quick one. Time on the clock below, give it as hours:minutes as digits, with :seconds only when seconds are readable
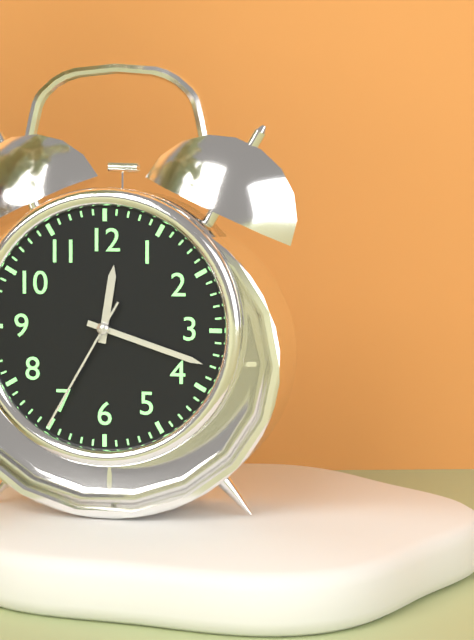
12:18:35
